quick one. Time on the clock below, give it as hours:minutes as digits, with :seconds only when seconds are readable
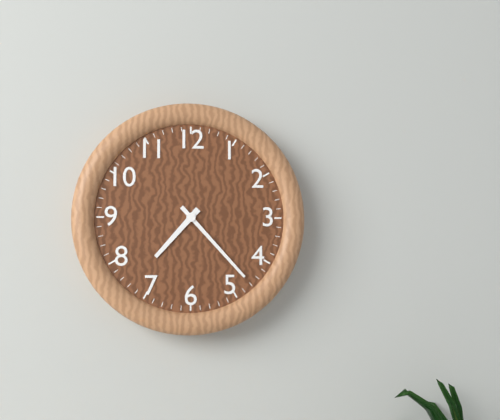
7:23
